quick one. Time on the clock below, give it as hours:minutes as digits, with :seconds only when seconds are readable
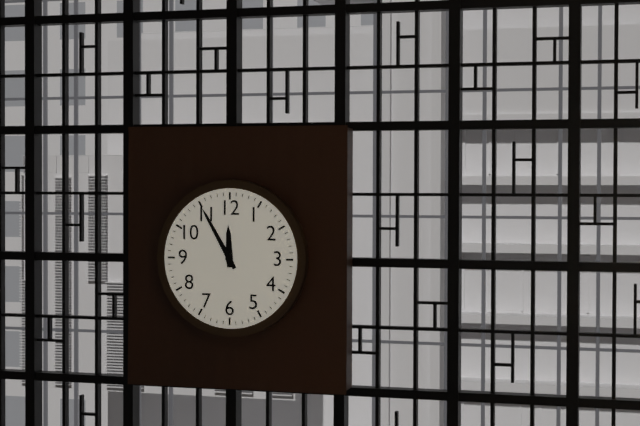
11:55
